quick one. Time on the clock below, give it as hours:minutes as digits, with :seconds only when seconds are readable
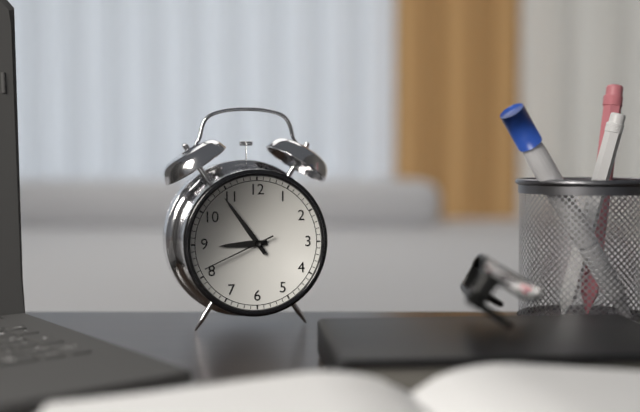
8:54:41
